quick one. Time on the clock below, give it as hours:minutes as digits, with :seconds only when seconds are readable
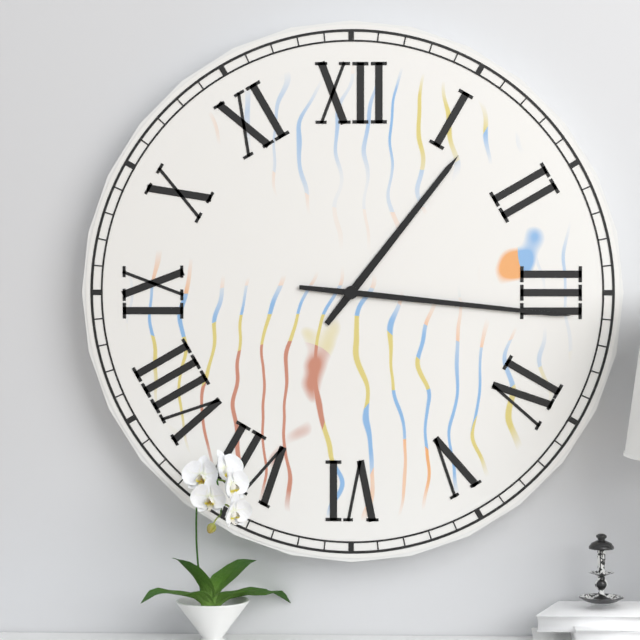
1:16
